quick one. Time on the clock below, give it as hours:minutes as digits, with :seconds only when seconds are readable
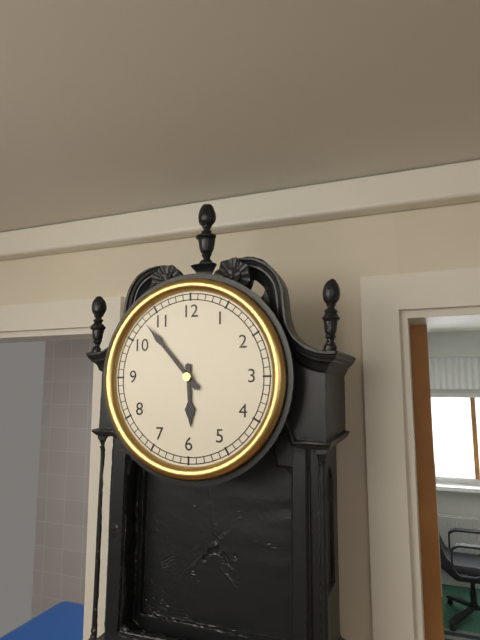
5:53
